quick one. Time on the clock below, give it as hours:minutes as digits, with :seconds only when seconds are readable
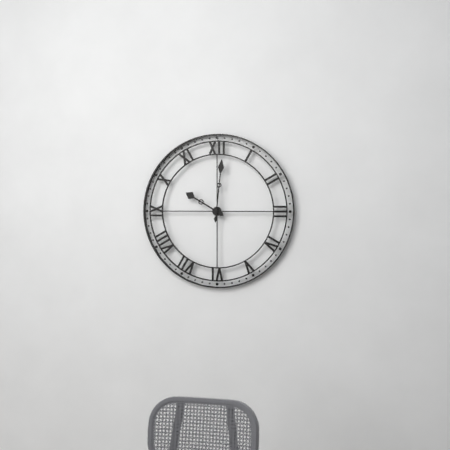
10:01
